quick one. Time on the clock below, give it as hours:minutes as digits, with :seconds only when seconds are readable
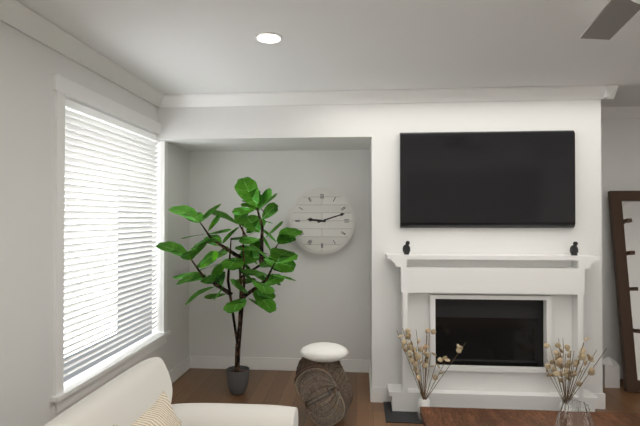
9:12
